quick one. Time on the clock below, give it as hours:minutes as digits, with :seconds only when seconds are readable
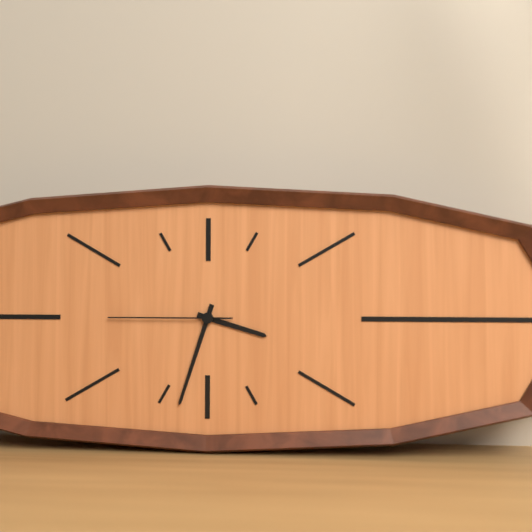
3:33:45
